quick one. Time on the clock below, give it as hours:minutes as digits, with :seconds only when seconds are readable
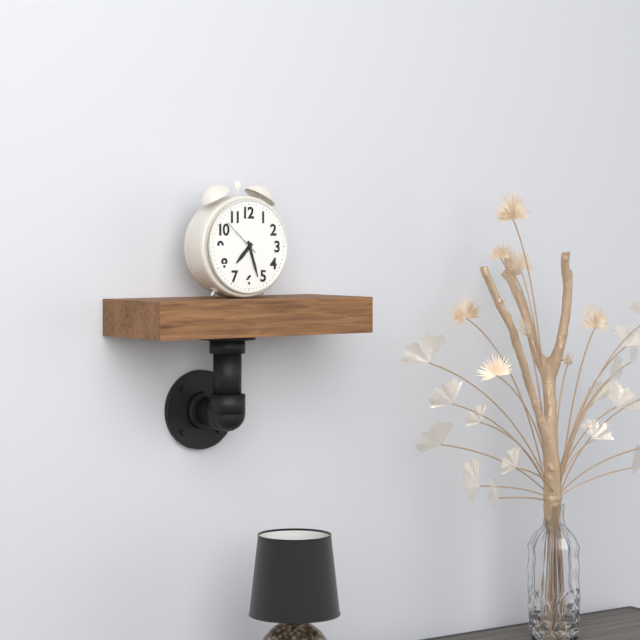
7:27
